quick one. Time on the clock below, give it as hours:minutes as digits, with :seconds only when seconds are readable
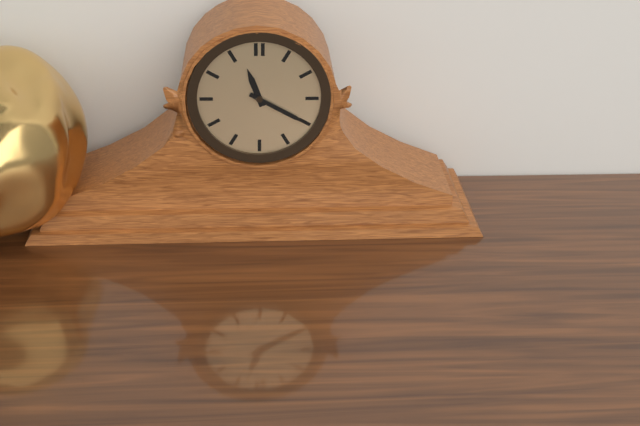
11:20
